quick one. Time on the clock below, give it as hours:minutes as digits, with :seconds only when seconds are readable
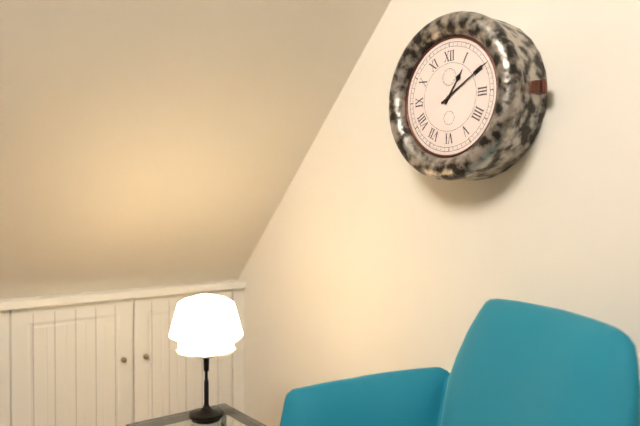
1:10
